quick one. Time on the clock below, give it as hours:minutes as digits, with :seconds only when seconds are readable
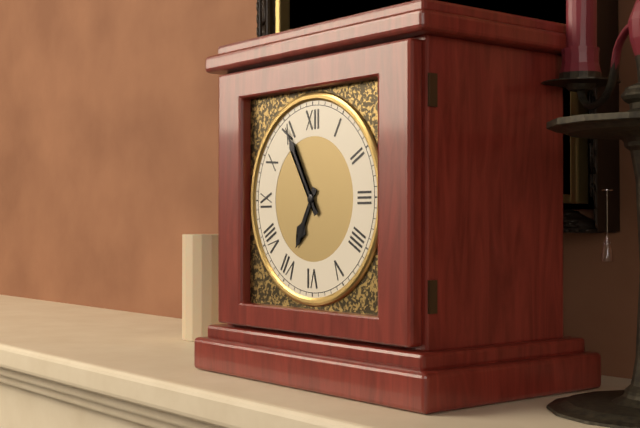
6:55
